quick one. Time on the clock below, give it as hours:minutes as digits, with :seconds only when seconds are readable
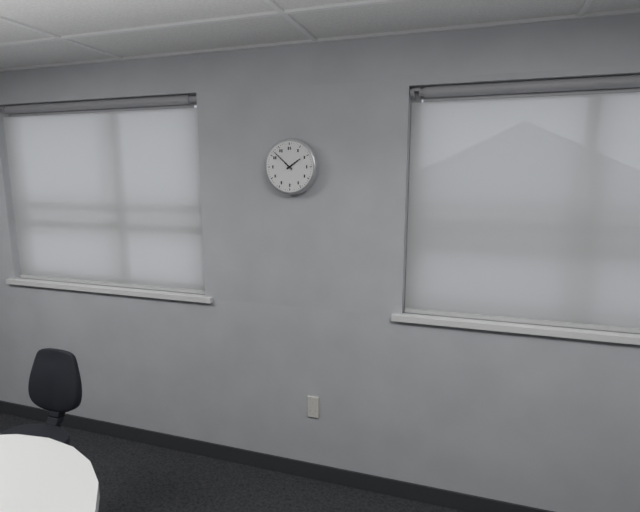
1:52
